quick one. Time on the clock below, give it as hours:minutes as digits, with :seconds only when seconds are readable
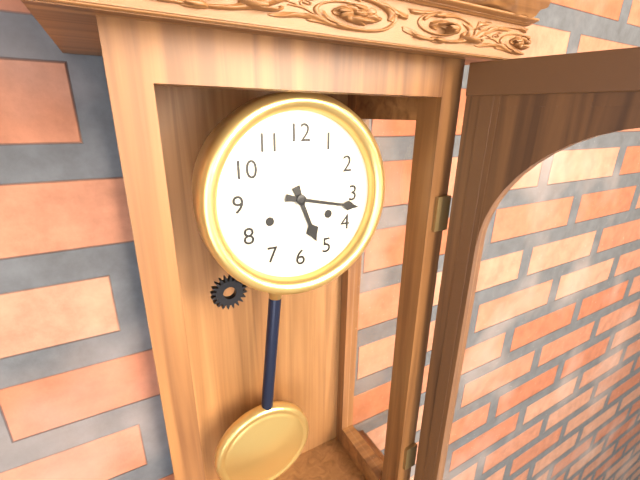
5:17
